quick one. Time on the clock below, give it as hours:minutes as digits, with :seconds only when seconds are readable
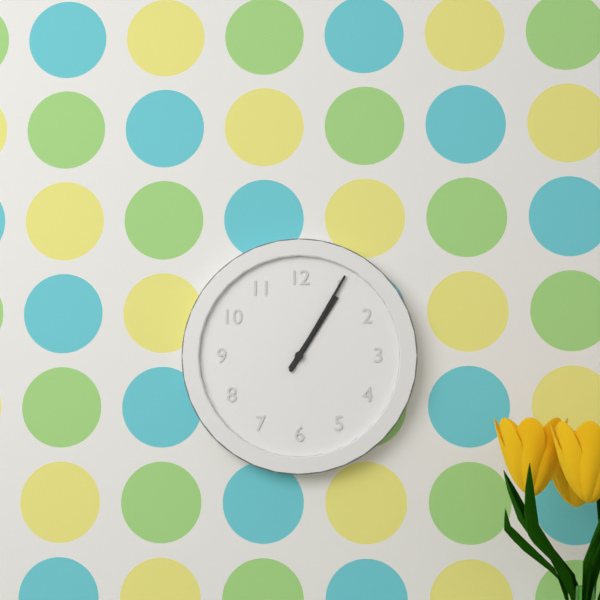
1:05
